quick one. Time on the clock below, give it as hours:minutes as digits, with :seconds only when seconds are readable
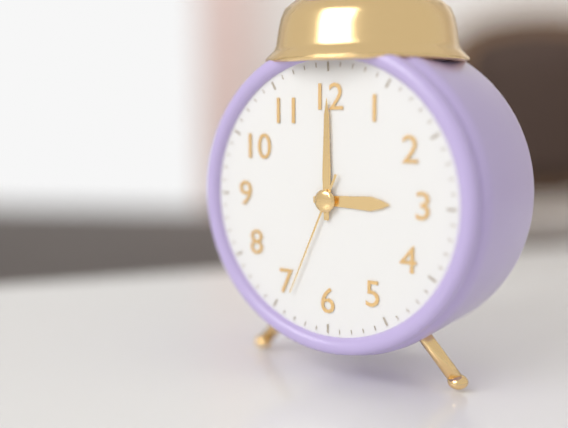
3:00:34
